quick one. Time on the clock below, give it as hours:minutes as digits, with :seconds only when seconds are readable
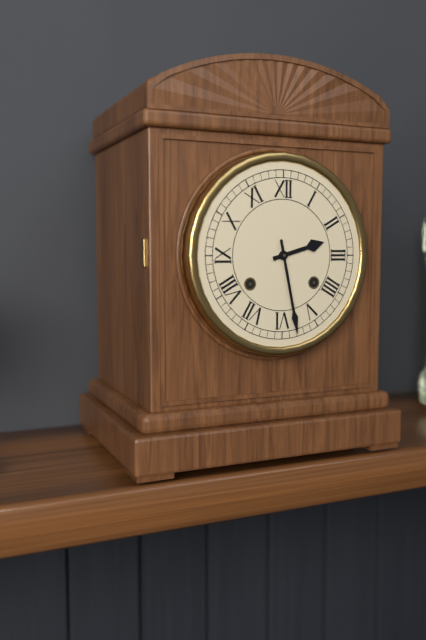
2:28
